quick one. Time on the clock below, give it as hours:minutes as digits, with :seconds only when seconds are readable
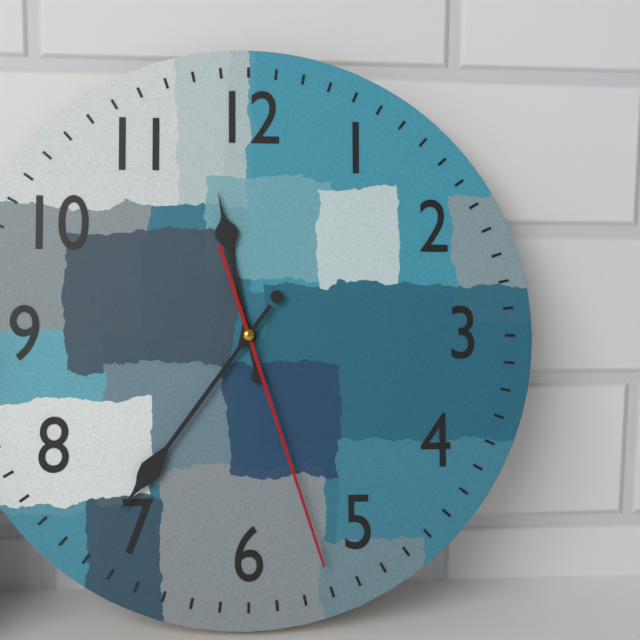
11:36:27
